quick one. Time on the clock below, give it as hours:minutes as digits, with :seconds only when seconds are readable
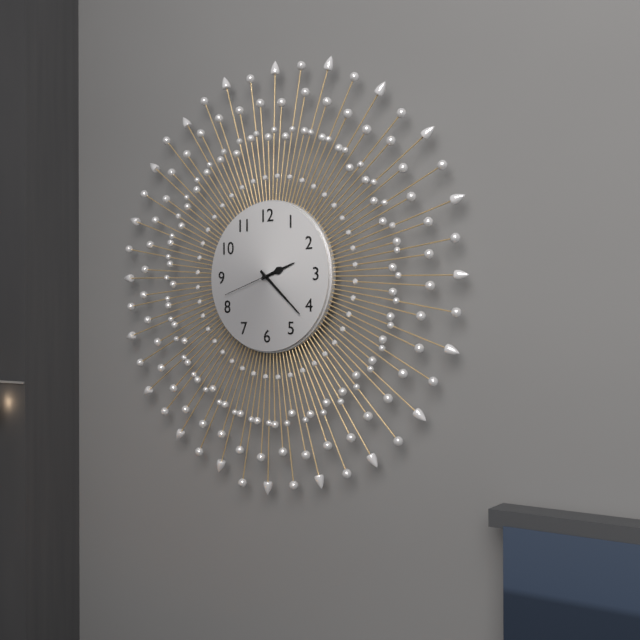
2:22:42
